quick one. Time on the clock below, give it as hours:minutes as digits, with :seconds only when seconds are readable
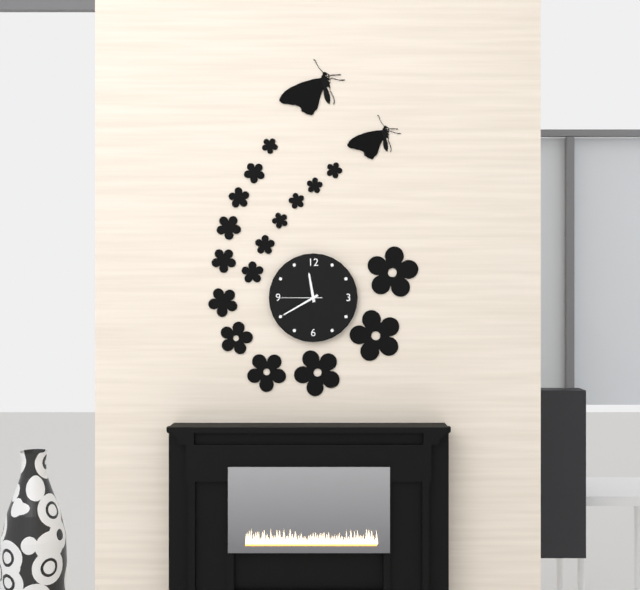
11:40
